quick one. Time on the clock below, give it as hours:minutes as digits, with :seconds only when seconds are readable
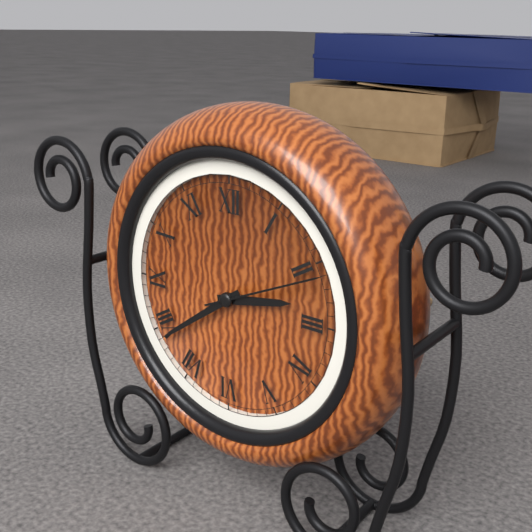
2:39:11
